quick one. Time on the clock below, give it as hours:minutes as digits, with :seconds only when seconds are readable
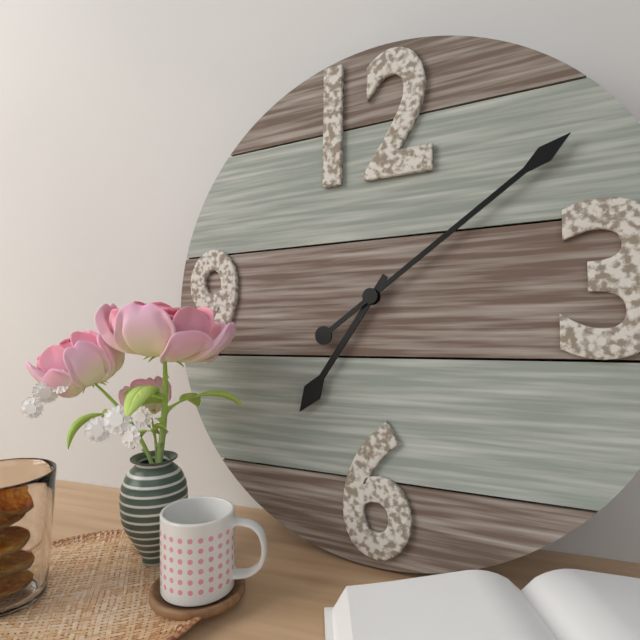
7:09
